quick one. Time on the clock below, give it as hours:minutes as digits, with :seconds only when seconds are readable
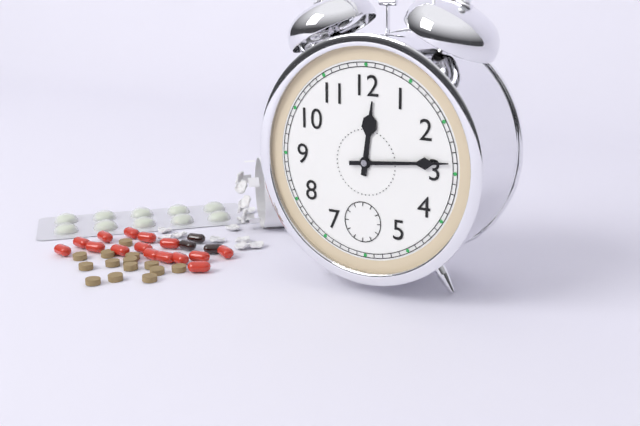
12:14
